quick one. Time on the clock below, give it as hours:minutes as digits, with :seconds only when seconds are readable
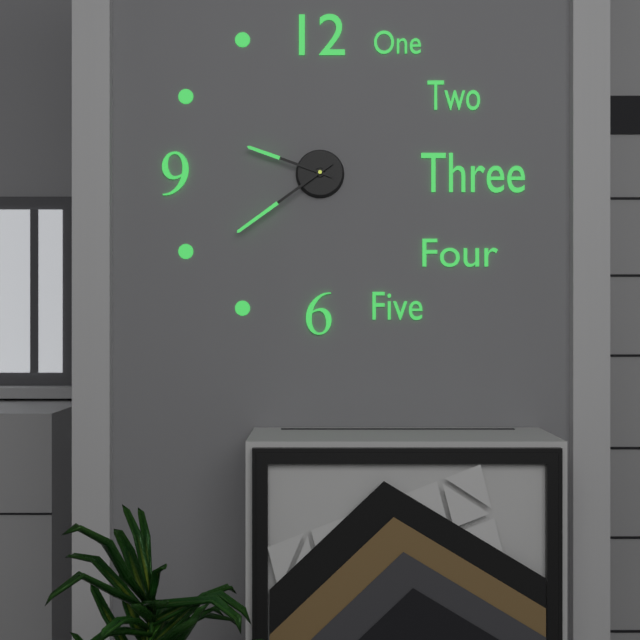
9:39
